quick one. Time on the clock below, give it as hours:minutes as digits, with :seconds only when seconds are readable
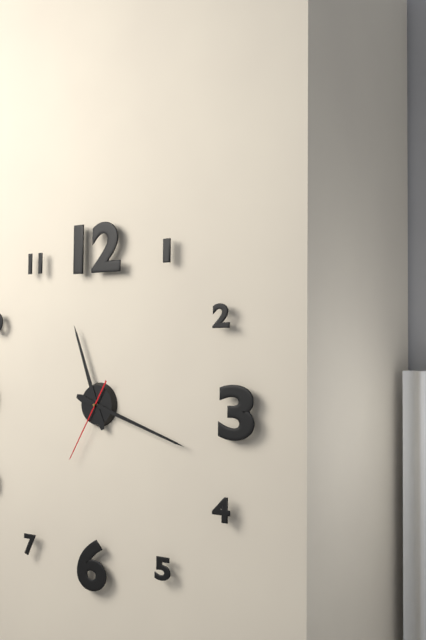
11:18:35
